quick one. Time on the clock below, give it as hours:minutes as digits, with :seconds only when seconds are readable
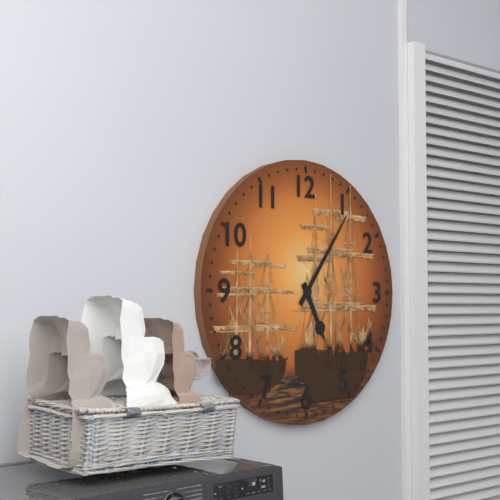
5:06
